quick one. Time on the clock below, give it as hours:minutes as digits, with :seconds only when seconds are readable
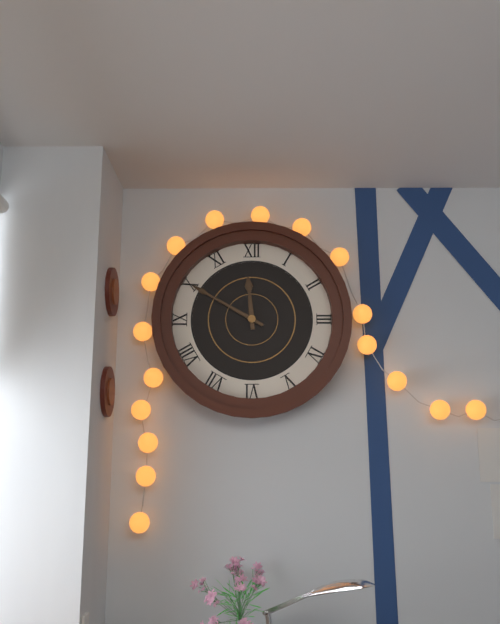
11:50
